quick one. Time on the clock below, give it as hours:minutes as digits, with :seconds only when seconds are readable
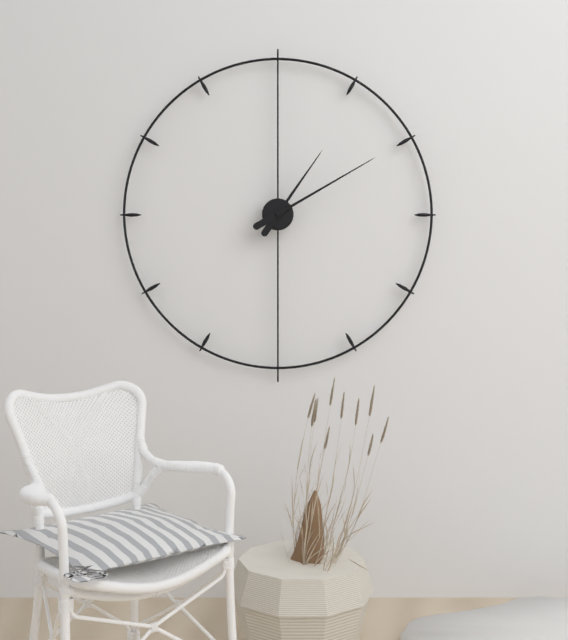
1:10
